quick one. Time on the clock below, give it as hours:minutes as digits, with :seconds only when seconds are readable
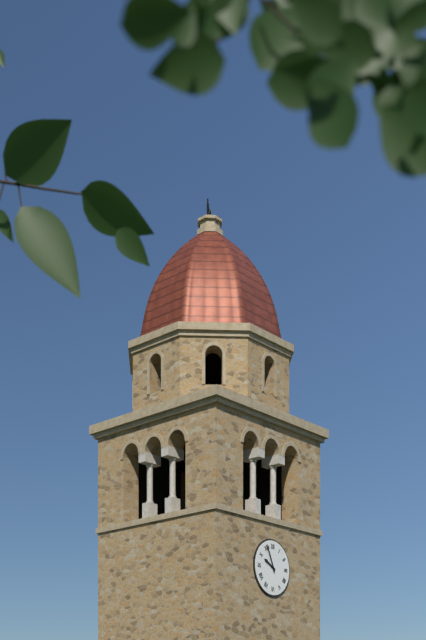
9:56
